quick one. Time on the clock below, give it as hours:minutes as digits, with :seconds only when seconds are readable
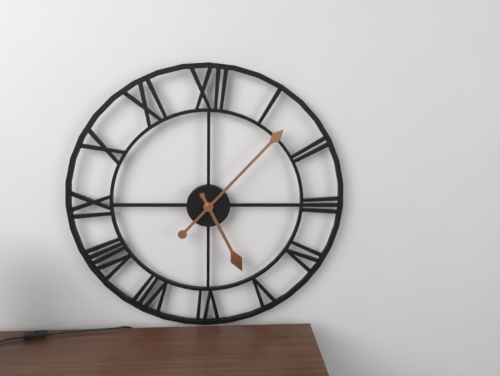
5:07
